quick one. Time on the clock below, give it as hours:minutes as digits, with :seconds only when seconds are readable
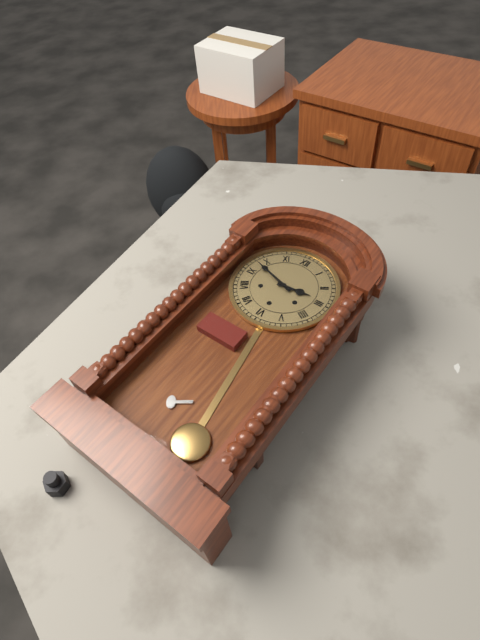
2:48
